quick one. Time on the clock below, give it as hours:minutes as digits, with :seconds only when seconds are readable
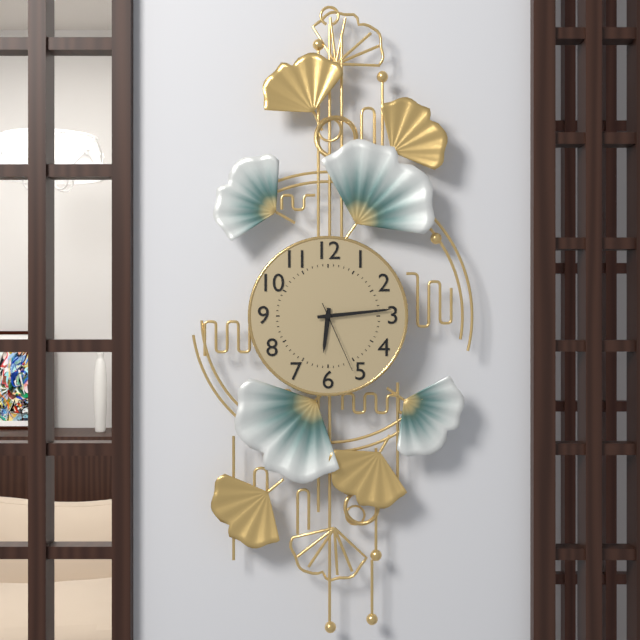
6:14:26
